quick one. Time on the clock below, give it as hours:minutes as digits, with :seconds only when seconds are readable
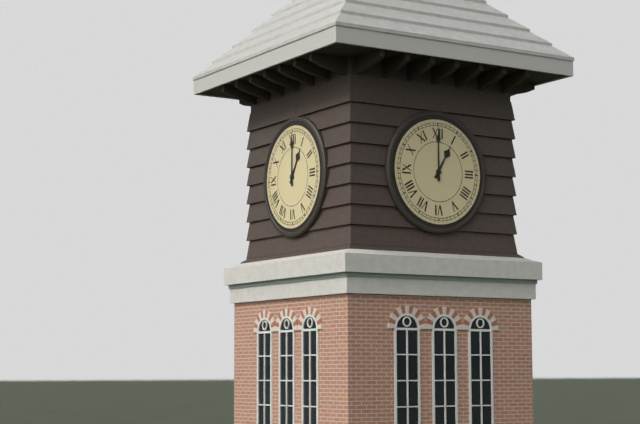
1:00
